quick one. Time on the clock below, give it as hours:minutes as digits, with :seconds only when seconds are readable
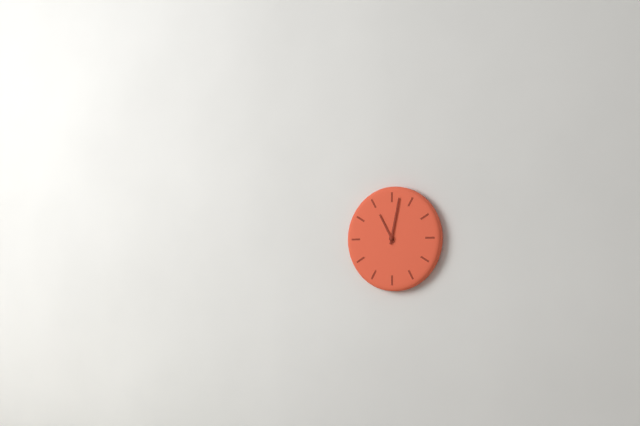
11:02
